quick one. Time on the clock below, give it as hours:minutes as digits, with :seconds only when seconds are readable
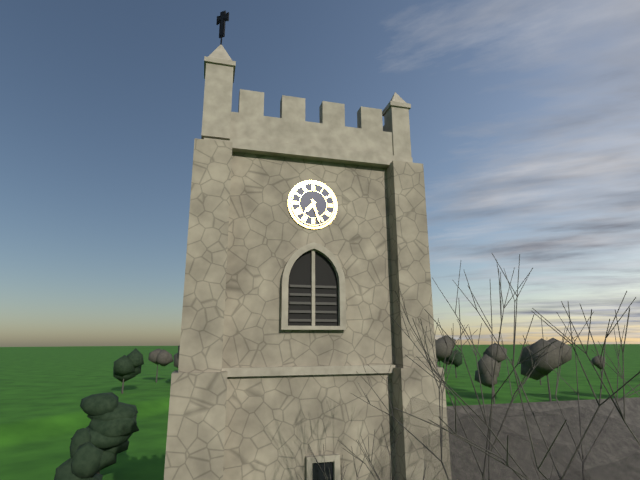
7:27
